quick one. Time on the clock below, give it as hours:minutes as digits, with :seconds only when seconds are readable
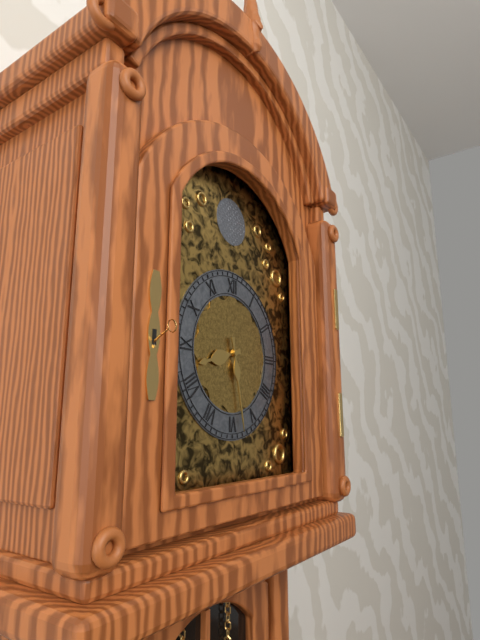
8:28
